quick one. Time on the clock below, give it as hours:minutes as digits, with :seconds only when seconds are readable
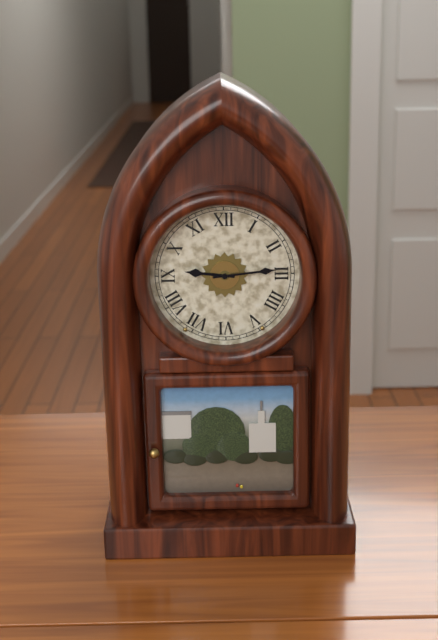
9:14
